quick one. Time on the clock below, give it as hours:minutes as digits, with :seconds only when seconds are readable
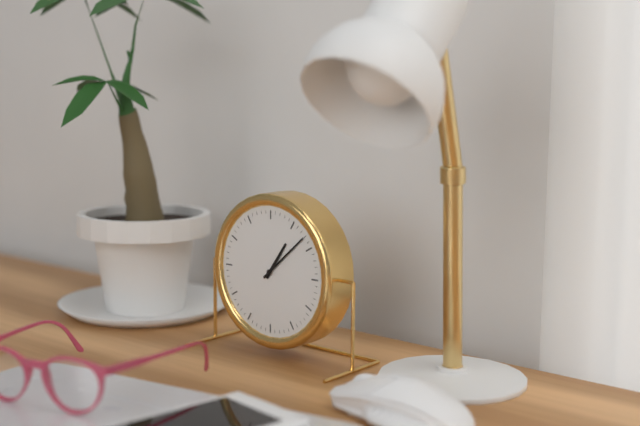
1:08
